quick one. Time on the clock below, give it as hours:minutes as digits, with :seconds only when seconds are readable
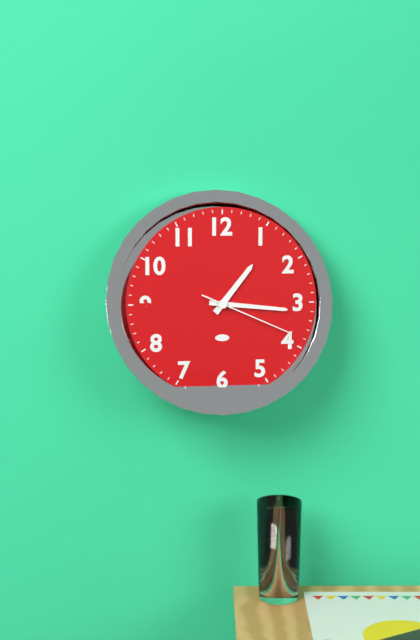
1:16:19
